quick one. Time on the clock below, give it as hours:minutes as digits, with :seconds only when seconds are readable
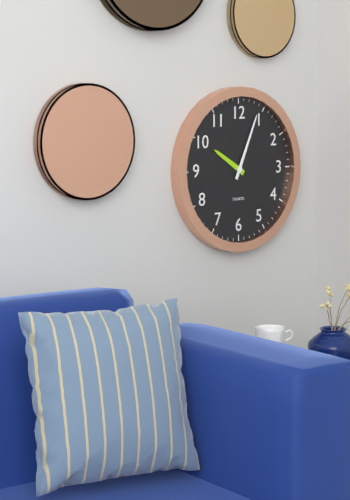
10:04
